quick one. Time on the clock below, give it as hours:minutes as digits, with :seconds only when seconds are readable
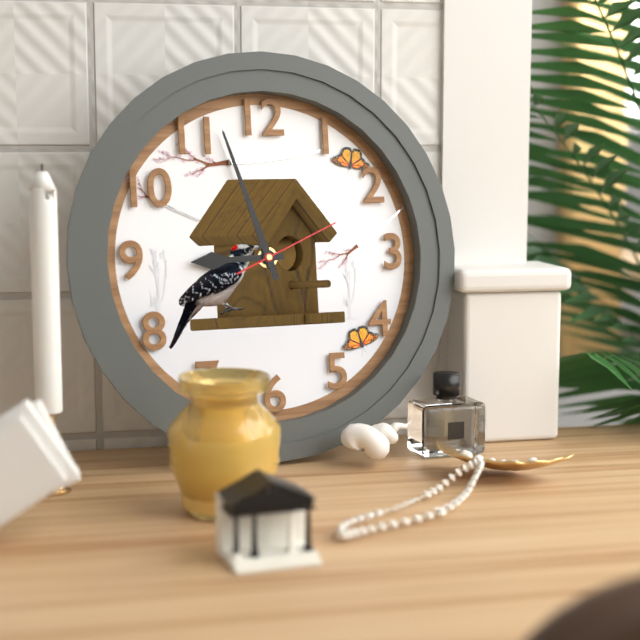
8:57:11
